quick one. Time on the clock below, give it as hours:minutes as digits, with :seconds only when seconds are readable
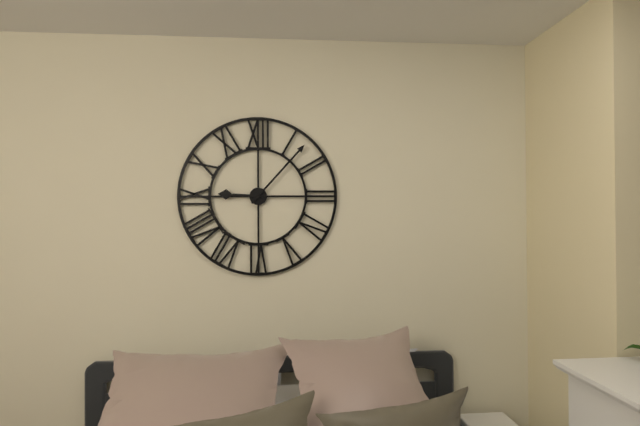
9:07
